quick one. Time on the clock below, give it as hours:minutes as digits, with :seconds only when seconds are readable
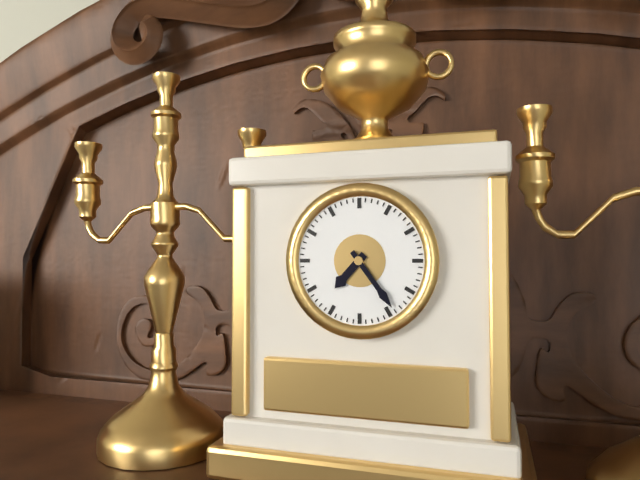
7:24
